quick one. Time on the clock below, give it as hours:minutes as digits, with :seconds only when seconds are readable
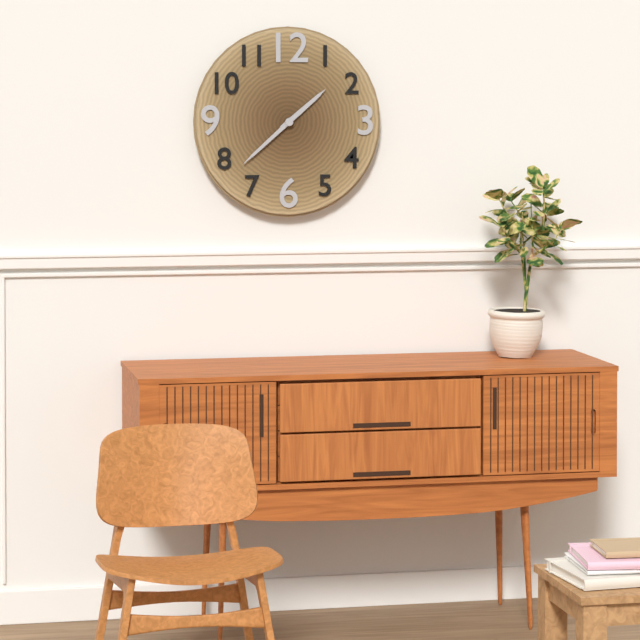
1:38
